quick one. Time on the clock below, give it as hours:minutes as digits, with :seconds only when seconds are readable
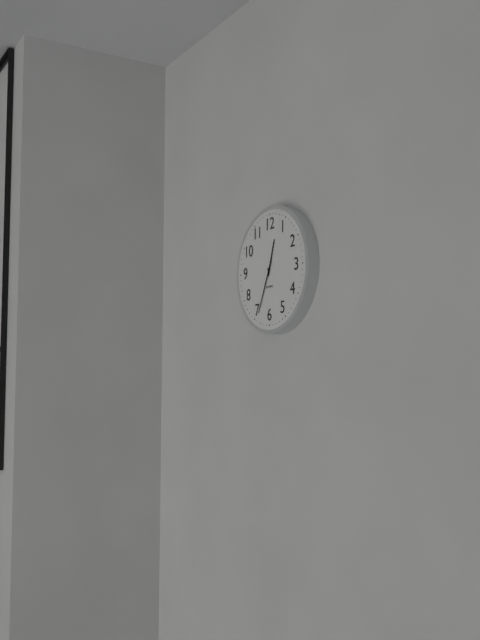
12:34
